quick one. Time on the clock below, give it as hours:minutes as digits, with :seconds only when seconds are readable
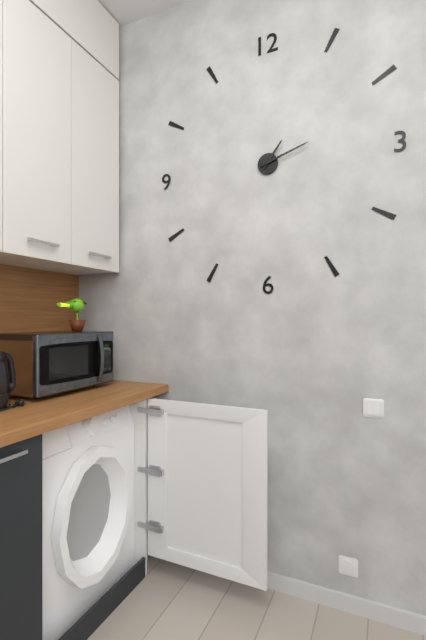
1:12
